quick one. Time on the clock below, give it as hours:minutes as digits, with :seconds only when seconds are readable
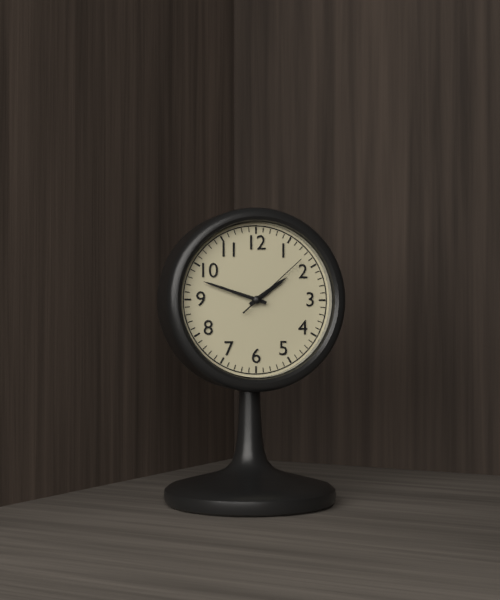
1:48:08
